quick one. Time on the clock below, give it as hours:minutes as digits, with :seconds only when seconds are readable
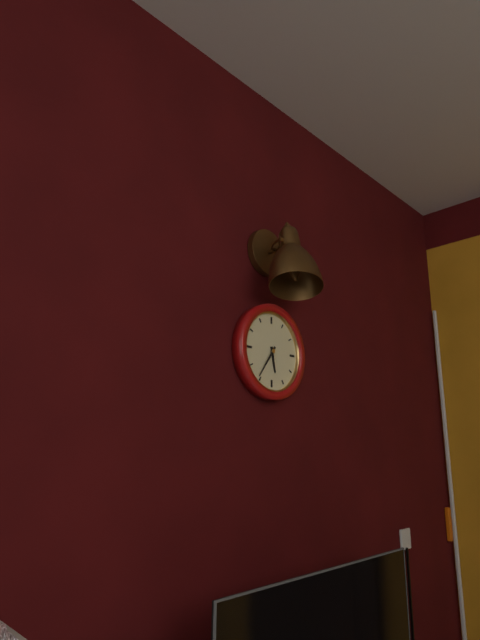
5:36
